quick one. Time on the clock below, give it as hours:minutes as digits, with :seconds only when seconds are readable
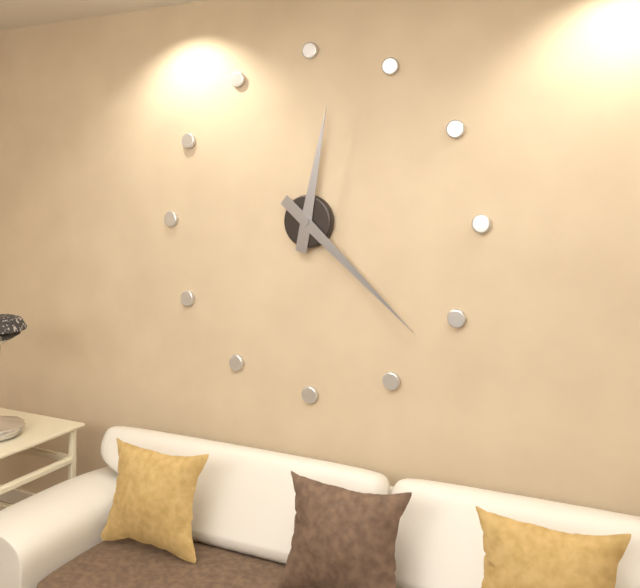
12:22
